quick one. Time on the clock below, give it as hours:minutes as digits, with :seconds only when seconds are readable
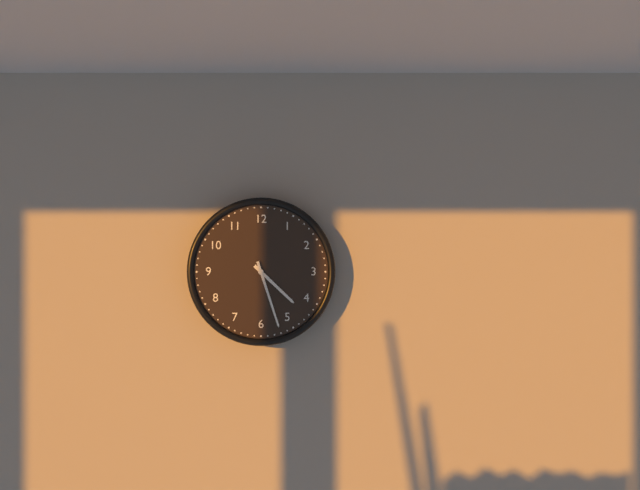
4:27
